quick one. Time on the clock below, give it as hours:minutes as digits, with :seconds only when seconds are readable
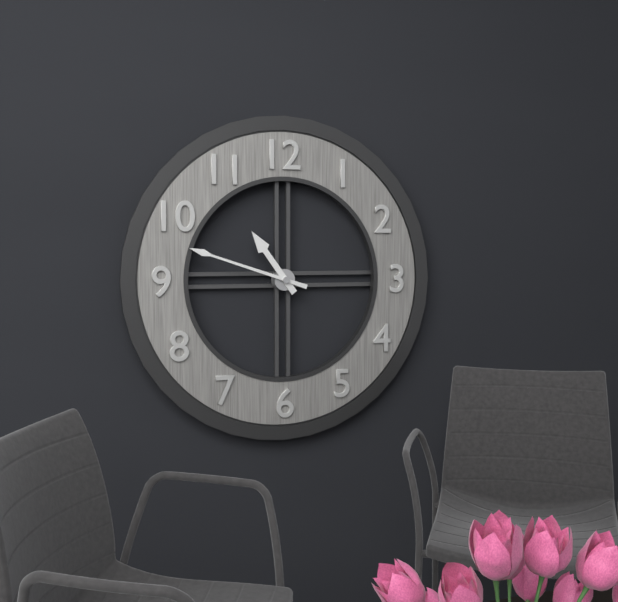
10:48
